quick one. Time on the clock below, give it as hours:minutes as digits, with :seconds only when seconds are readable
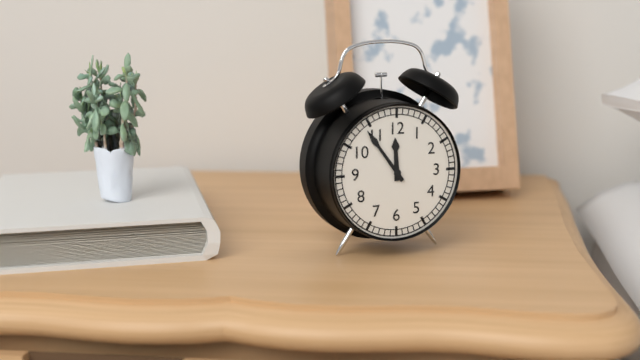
11:54
